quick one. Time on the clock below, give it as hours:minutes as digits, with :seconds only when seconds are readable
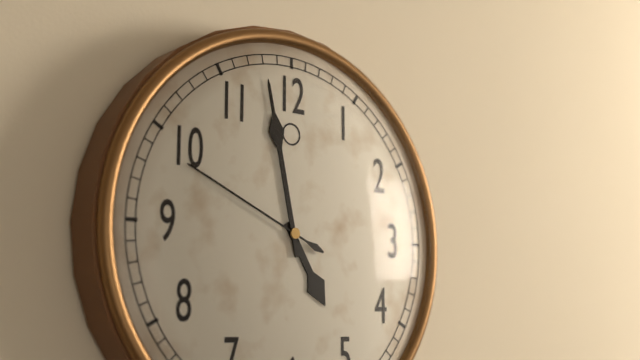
4:58:49
